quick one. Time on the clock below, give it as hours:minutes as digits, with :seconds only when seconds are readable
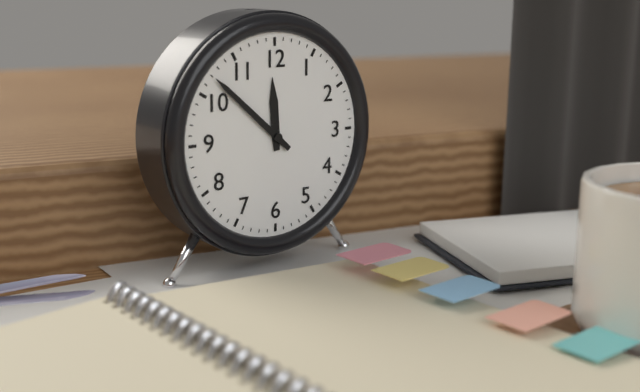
11:52
